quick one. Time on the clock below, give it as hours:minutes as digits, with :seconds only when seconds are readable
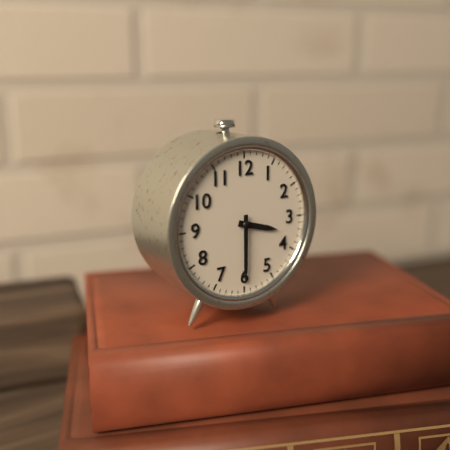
3:30
